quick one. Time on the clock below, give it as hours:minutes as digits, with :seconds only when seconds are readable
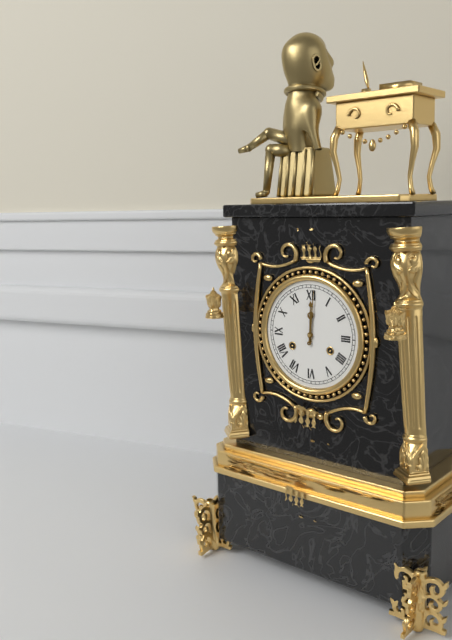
12:01
